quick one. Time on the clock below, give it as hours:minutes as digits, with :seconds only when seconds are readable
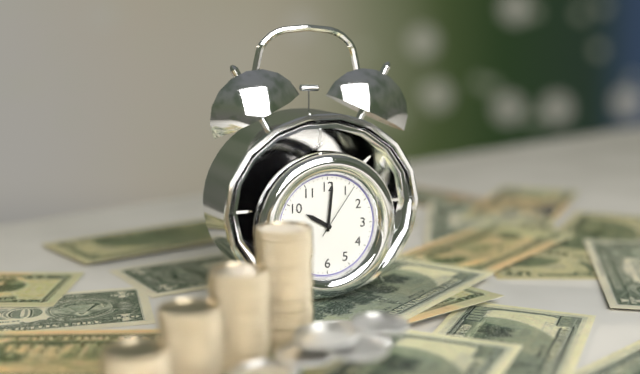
10:01:06
